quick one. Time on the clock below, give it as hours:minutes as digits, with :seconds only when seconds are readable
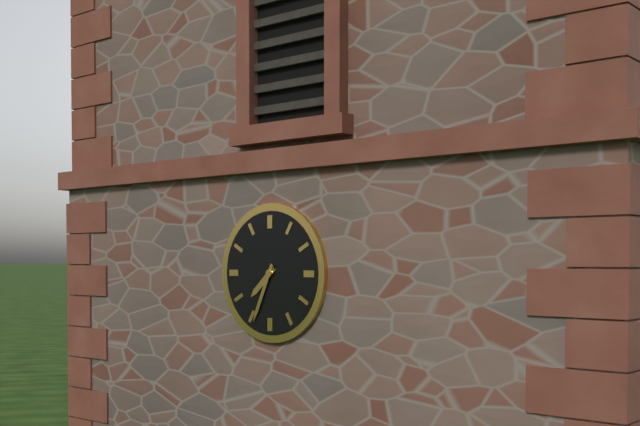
7:34
